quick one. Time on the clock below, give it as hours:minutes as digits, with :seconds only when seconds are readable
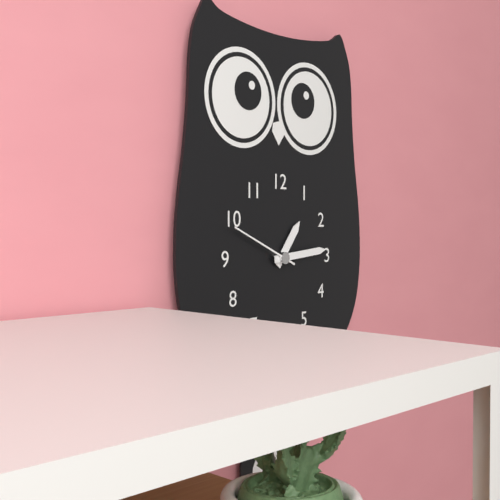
1:14:49
